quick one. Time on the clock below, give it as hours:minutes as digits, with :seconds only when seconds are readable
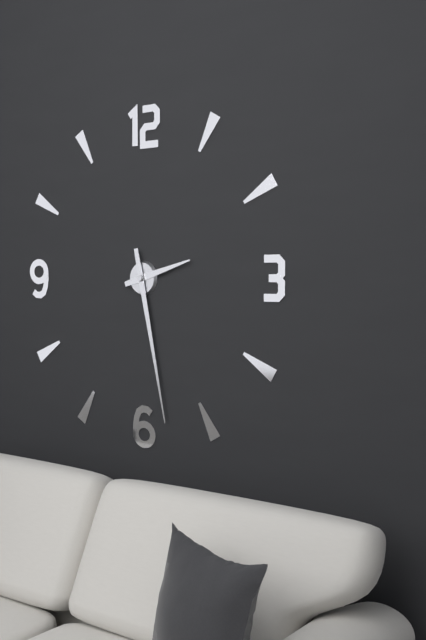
2:28
